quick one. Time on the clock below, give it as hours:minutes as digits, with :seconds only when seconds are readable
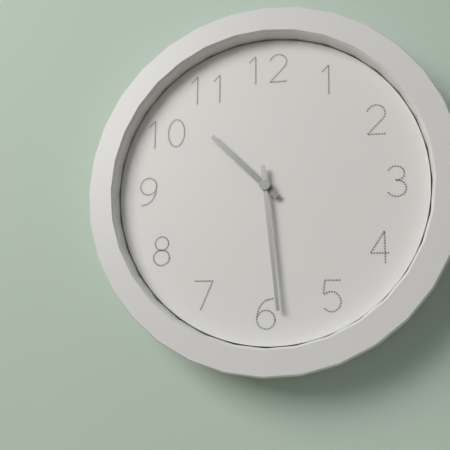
10:29
